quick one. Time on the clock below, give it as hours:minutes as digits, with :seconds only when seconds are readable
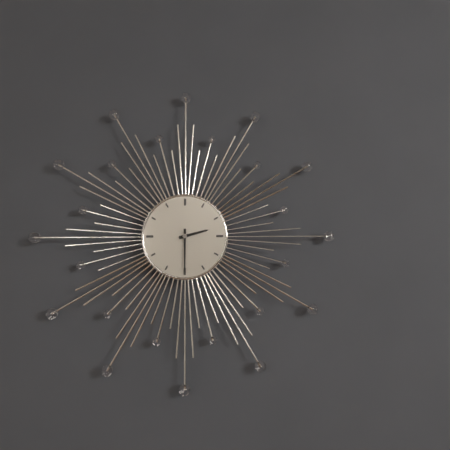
2:30
